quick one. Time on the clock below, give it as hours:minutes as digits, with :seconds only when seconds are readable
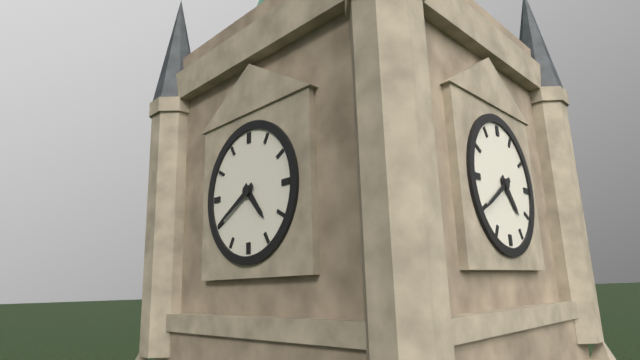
4:40
